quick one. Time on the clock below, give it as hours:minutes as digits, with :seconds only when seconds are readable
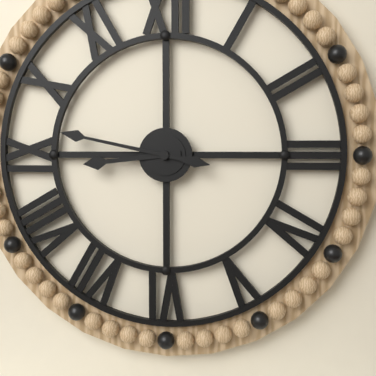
8:47
